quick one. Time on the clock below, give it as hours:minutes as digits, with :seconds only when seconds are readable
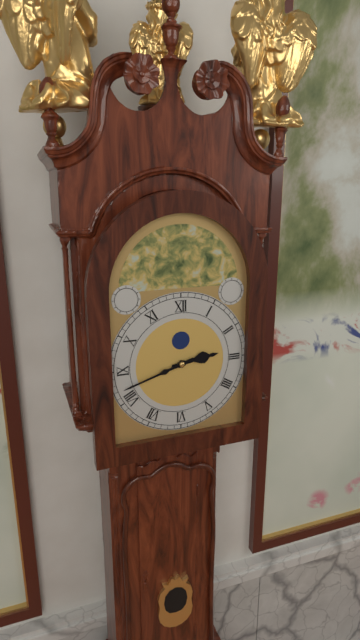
2:42
